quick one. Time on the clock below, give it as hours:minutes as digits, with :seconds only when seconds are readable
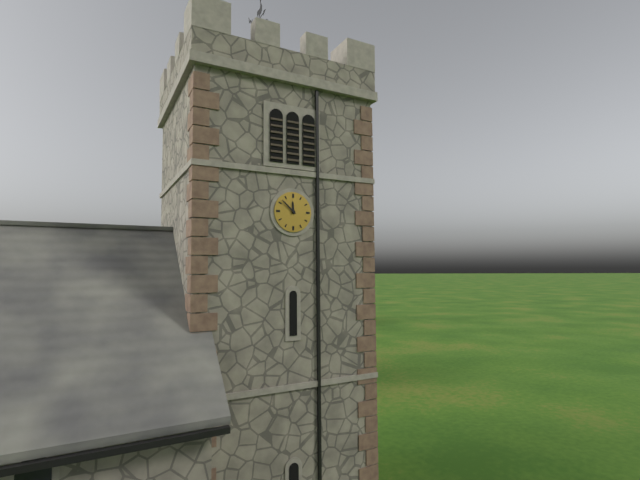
11:52
